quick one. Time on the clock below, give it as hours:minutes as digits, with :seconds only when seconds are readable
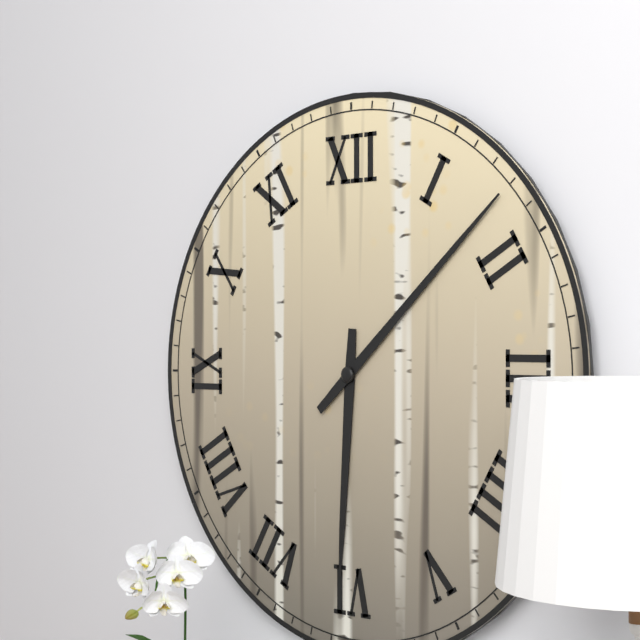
6:08
